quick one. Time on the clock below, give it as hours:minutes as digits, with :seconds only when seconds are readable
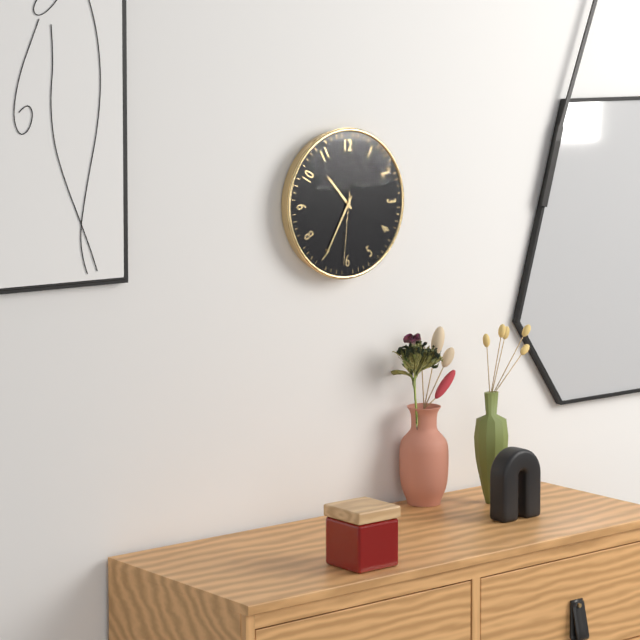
10:35:31
